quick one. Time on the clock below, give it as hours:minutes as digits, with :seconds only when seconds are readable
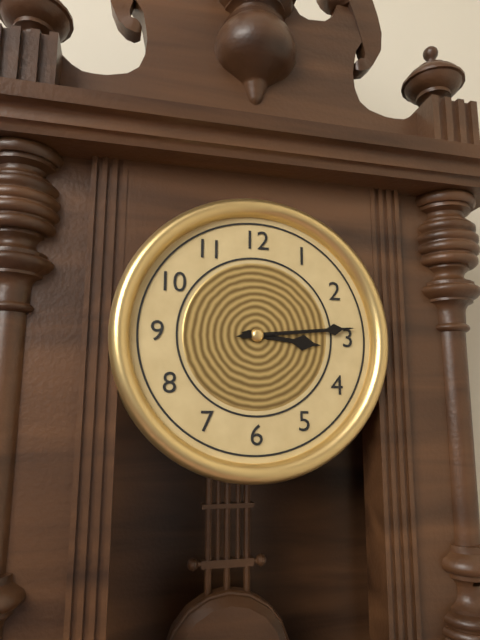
3:14
